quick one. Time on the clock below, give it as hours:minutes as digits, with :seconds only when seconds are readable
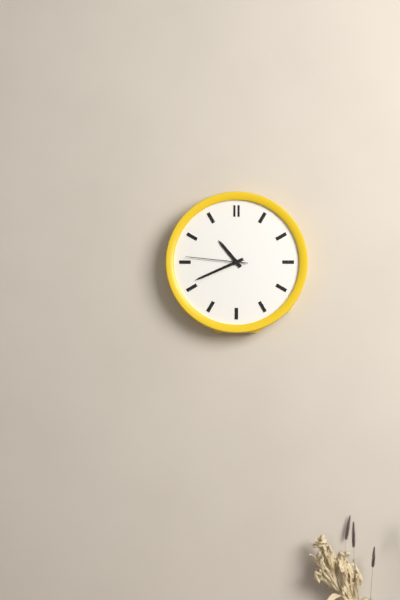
10:41:46
